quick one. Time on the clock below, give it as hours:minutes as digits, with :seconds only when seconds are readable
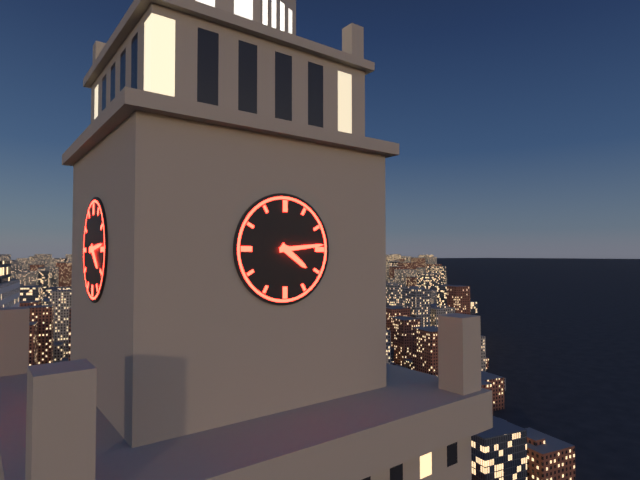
4:14
